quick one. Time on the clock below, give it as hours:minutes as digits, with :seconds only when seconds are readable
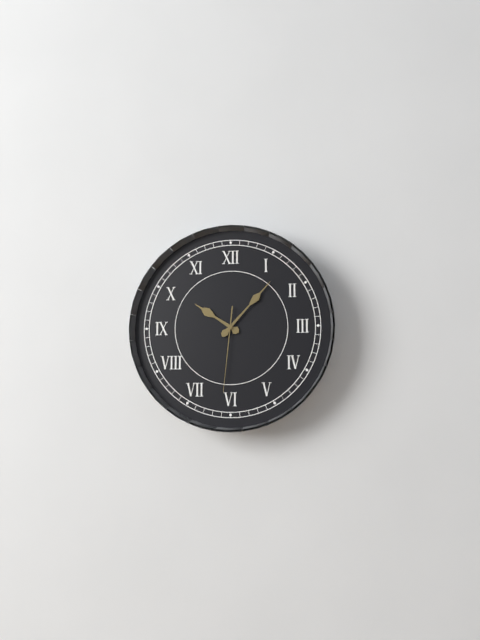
10:07:31
